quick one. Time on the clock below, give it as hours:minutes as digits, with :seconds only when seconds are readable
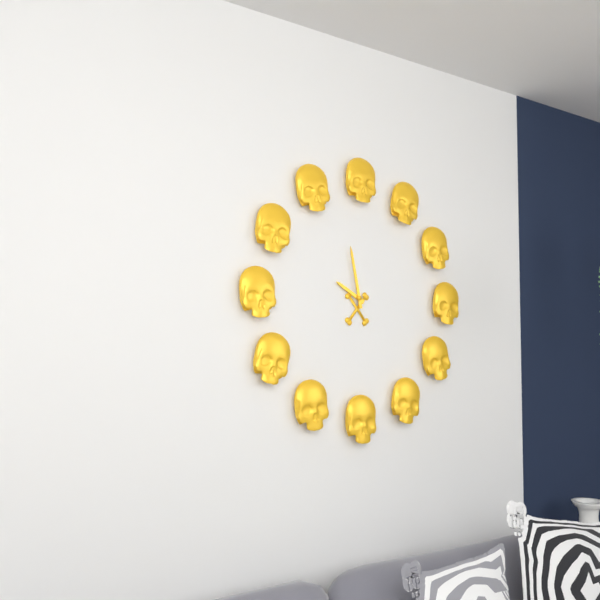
9:58
